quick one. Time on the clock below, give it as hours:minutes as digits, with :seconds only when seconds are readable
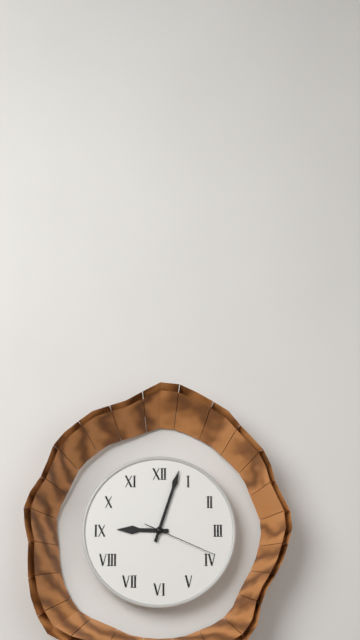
9:03:19
